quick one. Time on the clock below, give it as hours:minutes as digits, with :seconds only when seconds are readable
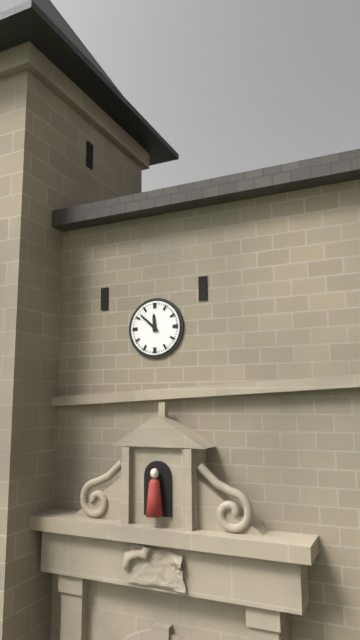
11:52
